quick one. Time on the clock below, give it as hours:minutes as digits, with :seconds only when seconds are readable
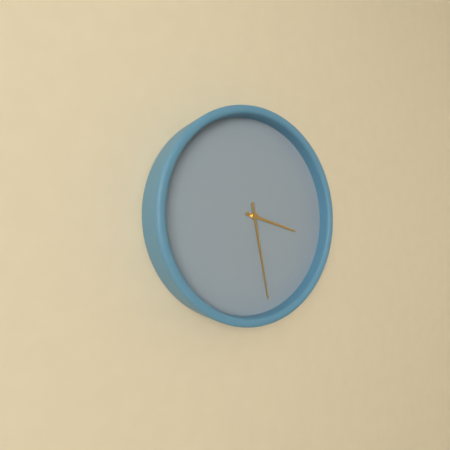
3:28
